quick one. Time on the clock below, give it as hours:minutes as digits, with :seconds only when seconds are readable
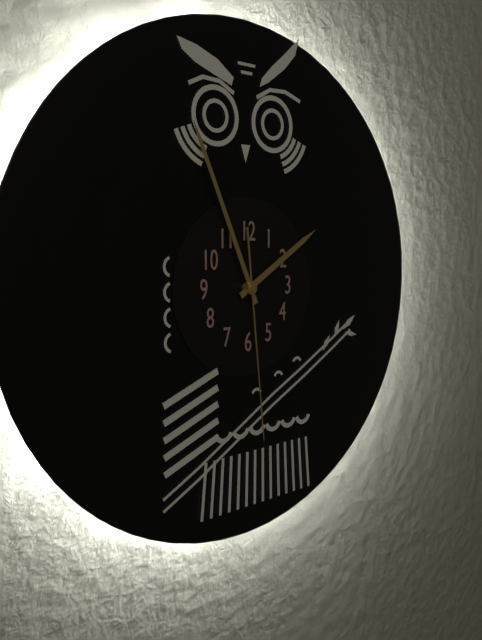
1:56:29
